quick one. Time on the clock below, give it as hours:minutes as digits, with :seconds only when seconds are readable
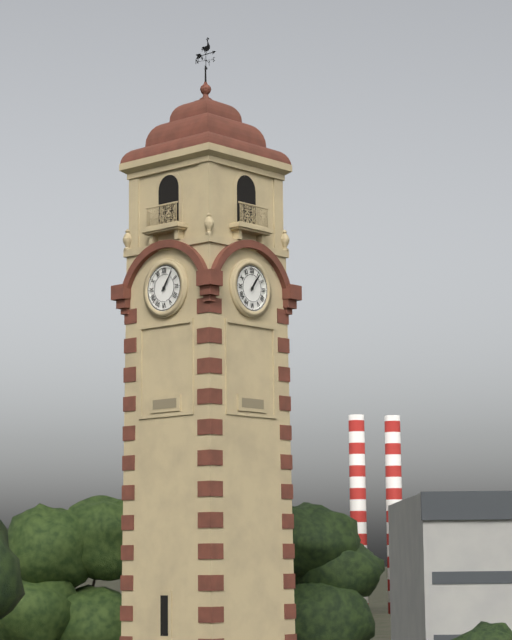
1:06
